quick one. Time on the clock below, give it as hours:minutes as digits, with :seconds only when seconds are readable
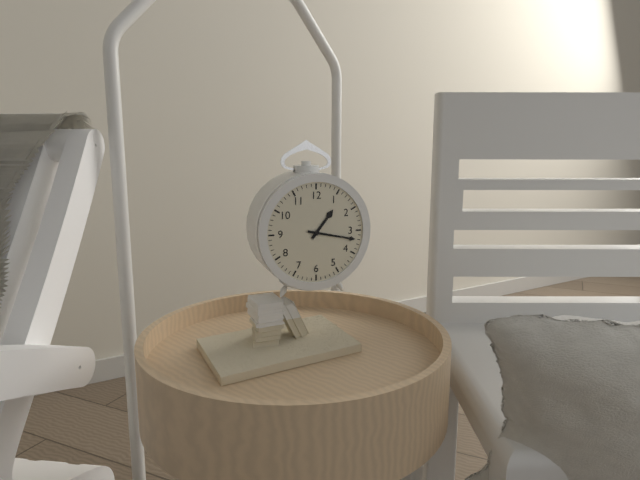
1:17
